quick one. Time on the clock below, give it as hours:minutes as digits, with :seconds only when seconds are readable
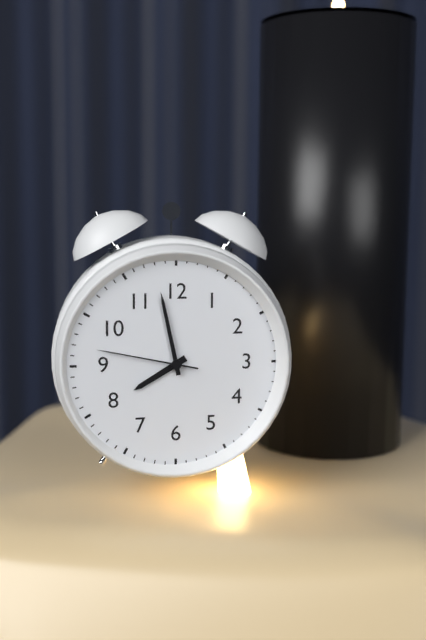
7:58:47
